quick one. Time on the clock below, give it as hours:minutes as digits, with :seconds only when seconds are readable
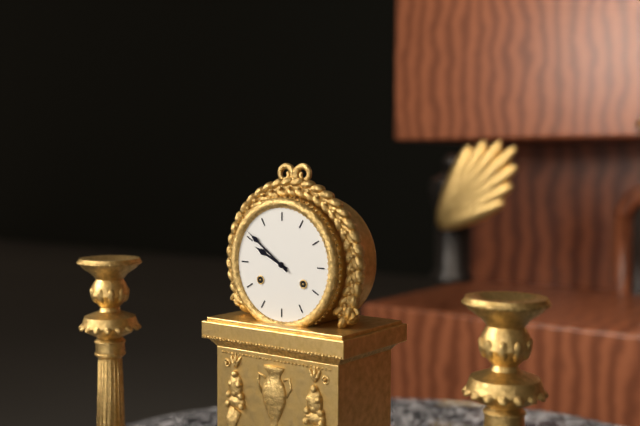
9:51
